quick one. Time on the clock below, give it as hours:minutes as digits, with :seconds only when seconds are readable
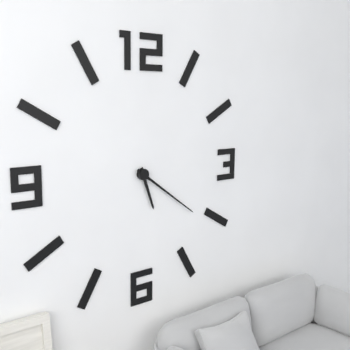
5:21
